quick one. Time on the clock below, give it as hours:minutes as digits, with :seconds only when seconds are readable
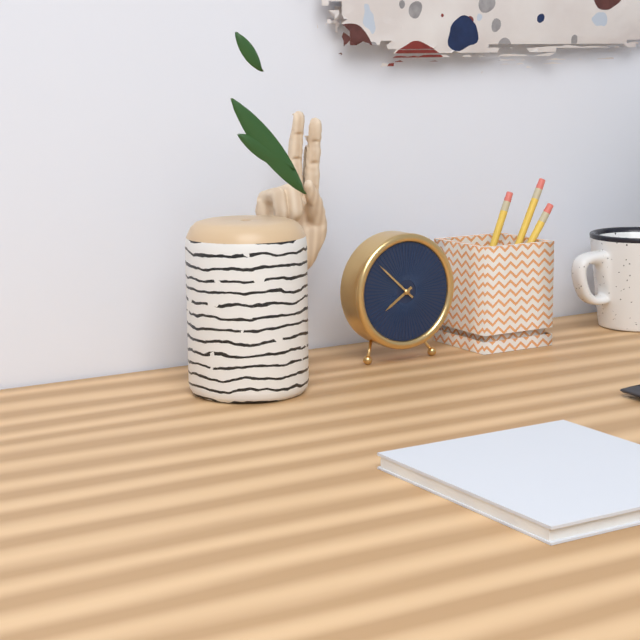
7:52
